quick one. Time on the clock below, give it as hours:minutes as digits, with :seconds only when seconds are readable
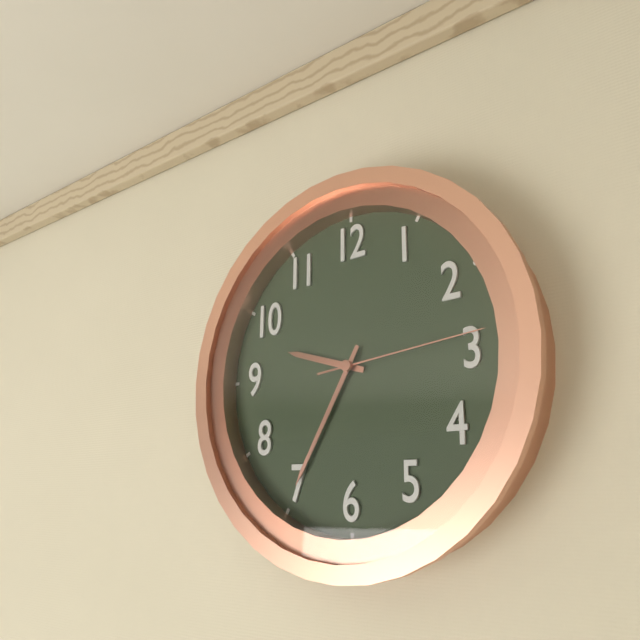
9:35:14
